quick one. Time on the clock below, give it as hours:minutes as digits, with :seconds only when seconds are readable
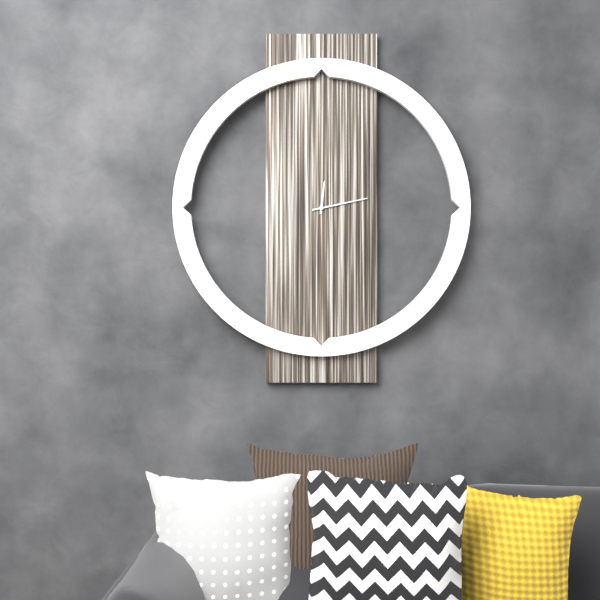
12:13
